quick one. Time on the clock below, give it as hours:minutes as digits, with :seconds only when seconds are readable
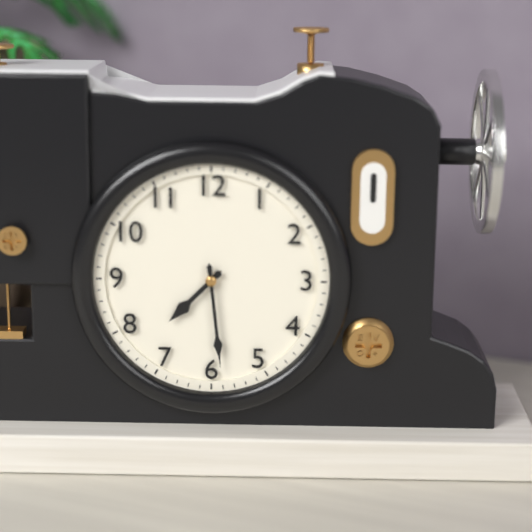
7:29
